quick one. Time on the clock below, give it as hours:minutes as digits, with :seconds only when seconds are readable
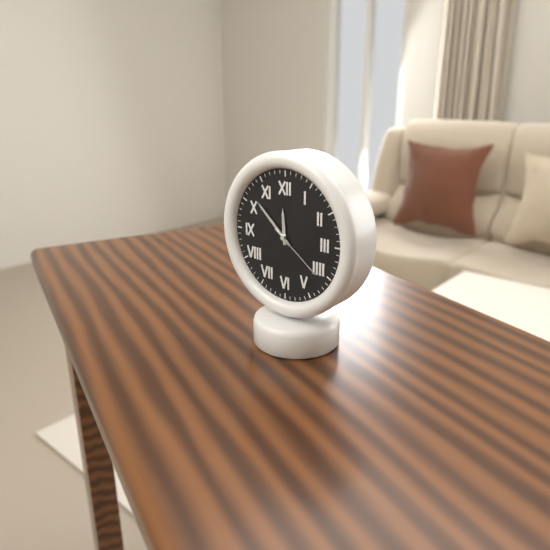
11:52:21
